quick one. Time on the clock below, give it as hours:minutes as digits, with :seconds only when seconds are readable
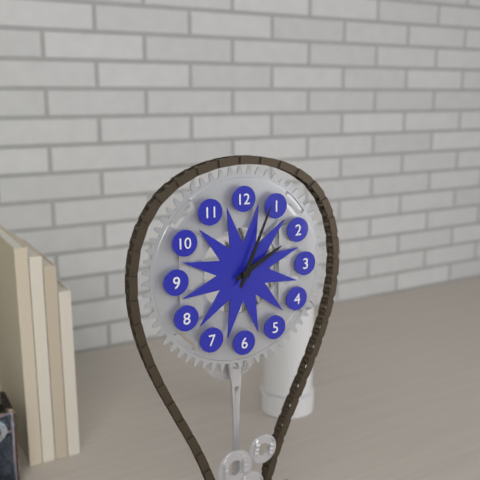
2:04
